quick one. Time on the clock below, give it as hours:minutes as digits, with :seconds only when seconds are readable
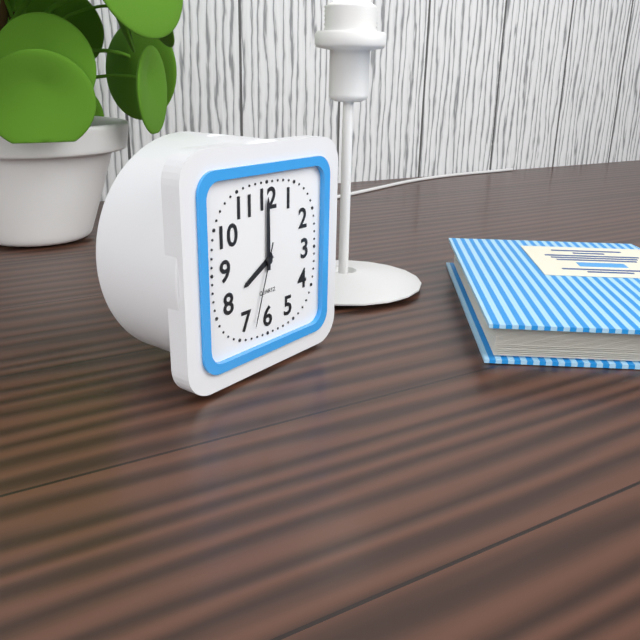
8:00:33
